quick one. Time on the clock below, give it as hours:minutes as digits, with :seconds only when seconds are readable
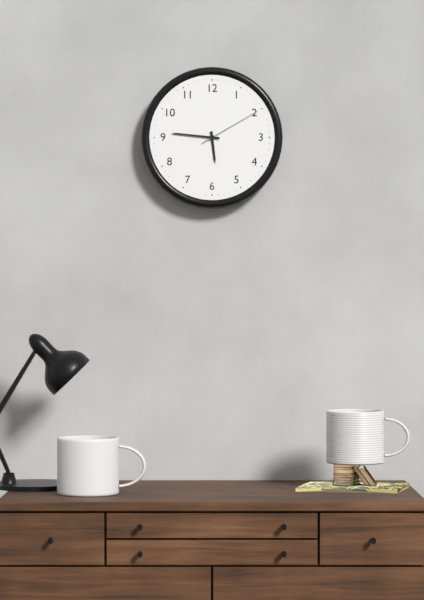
5:46:10
